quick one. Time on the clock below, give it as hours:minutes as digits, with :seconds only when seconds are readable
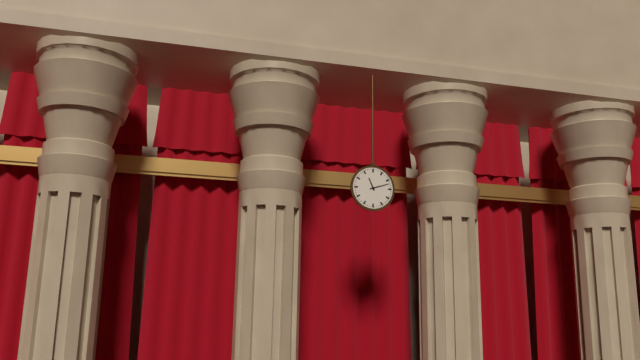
11:12
